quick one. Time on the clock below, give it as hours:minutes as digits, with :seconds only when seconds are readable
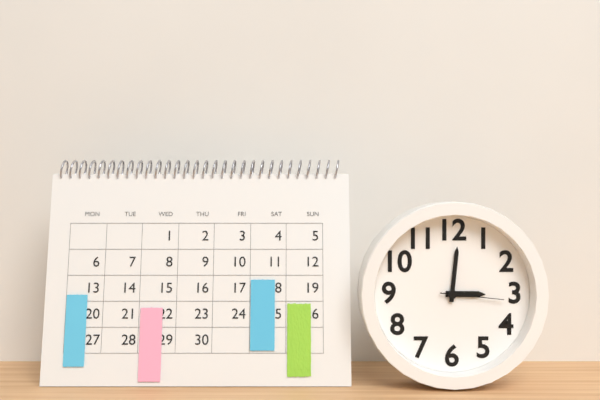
3:01:16
